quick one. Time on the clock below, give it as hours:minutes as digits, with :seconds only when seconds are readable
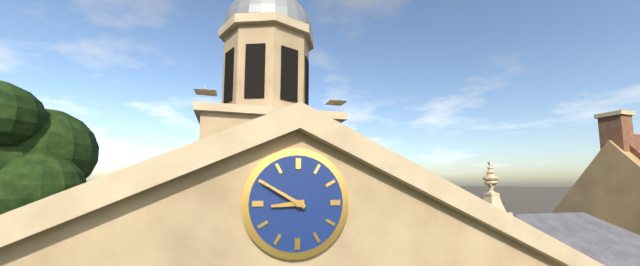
8:50
